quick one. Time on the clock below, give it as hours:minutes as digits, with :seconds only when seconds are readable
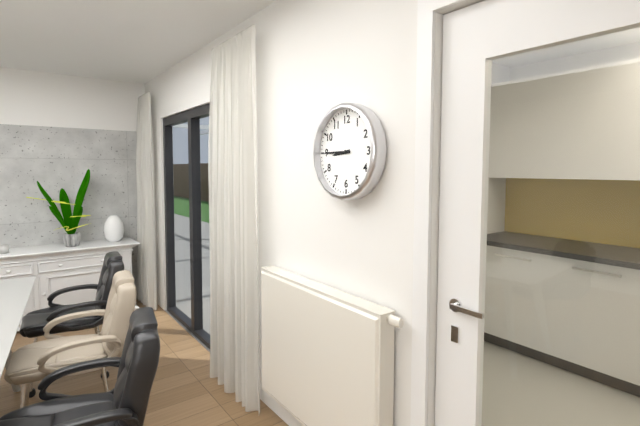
8:45
